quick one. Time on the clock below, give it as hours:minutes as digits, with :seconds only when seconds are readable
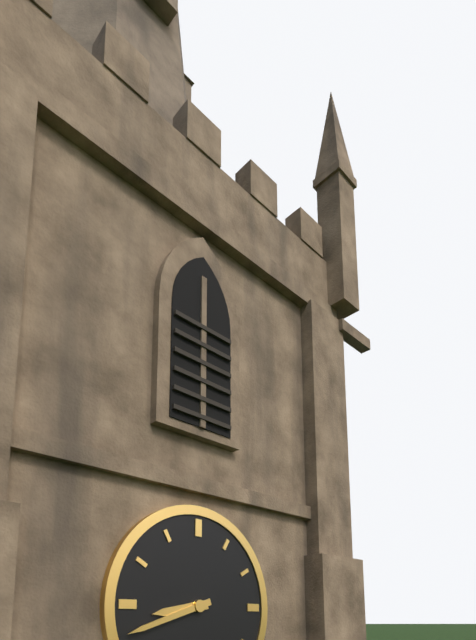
8:42
